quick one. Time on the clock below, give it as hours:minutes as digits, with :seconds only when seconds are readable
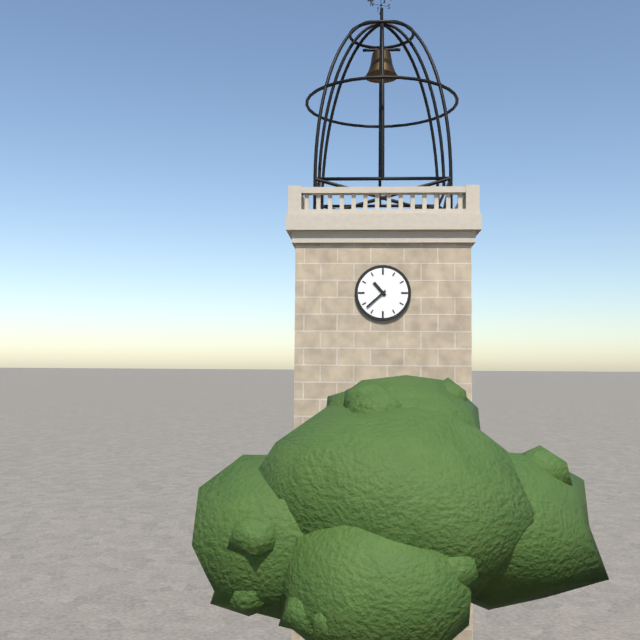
10:38
